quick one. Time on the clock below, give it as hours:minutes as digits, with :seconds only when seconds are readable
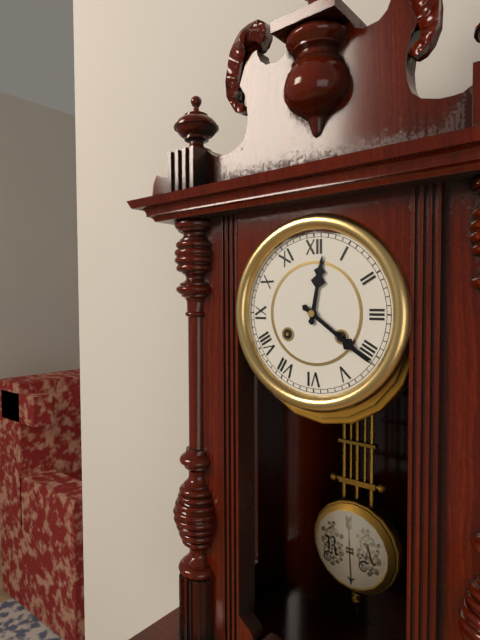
12:21
